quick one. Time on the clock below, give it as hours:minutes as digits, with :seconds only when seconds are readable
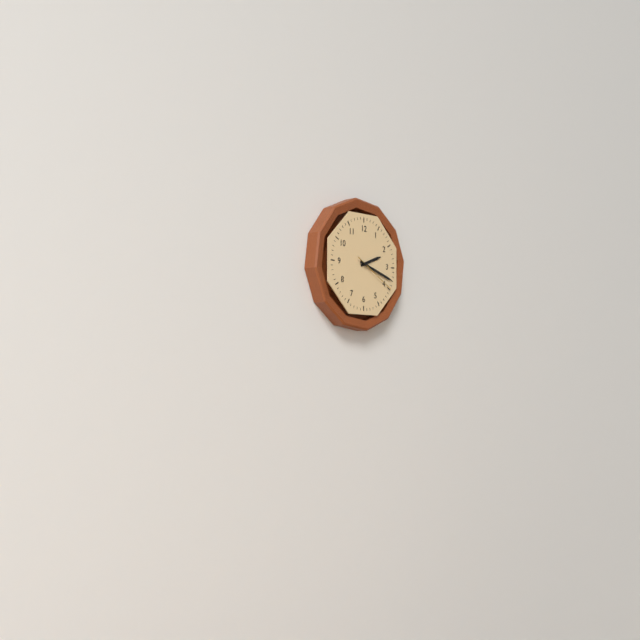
2:18
